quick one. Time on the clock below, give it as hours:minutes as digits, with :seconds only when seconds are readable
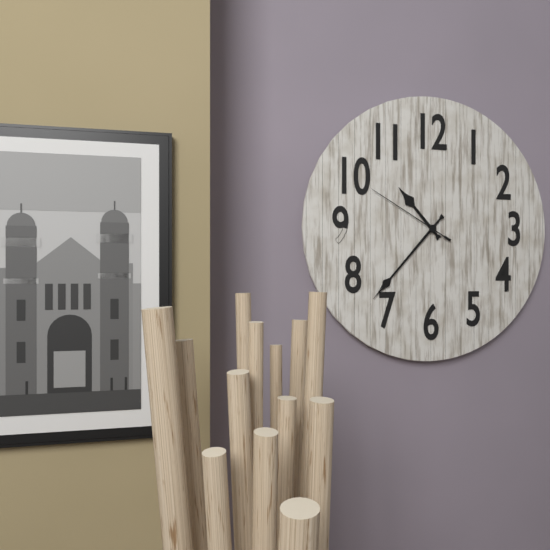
10:37:50
